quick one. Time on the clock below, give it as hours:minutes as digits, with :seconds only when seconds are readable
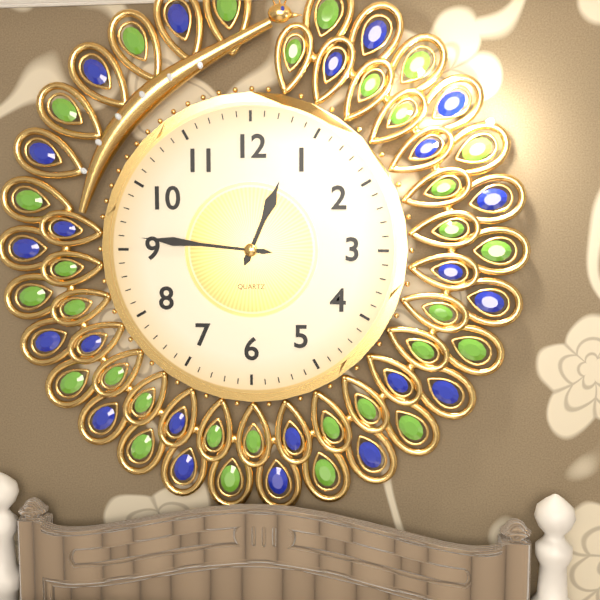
12:46
